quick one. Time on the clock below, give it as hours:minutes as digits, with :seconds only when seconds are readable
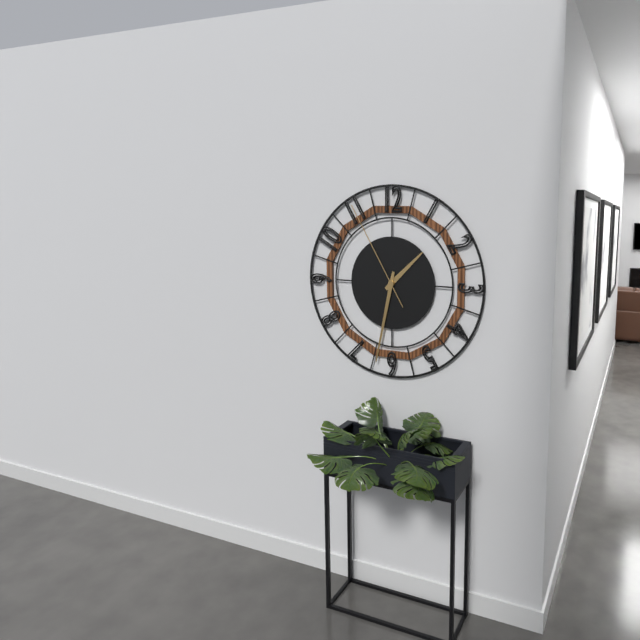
1:32:55
